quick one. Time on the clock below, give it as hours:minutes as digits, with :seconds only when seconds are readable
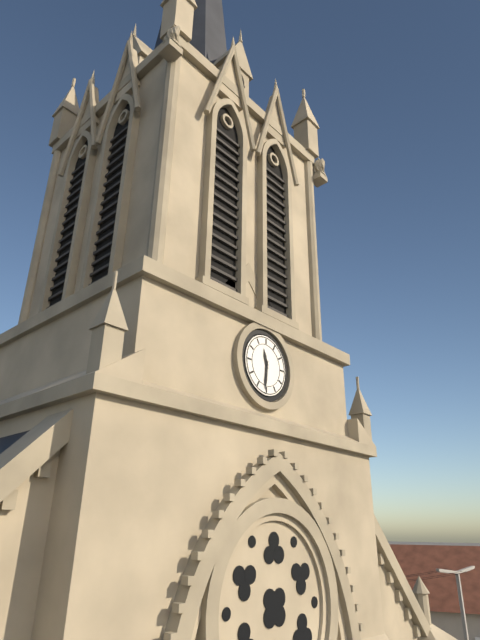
11:31
